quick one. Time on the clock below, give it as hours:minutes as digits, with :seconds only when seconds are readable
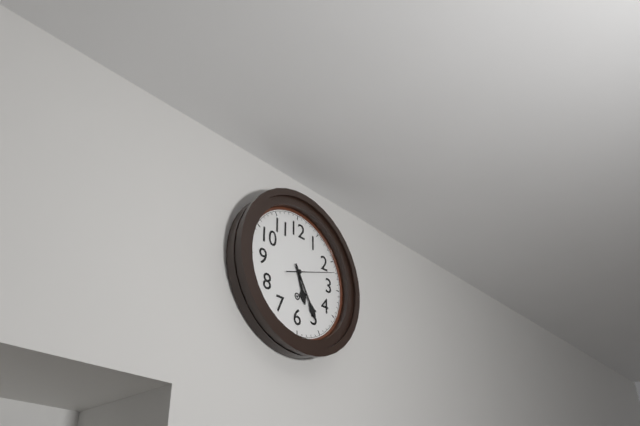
5:25
